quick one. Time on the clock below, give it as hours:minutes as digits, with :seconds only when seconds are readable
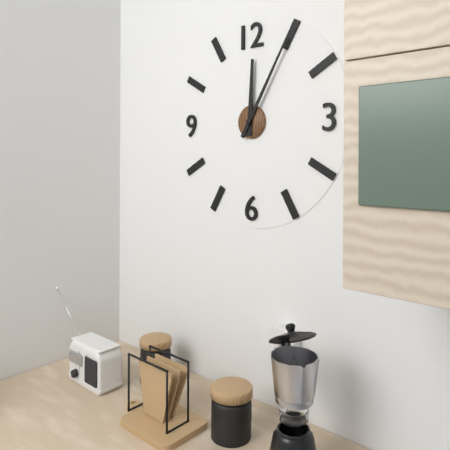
12:05
